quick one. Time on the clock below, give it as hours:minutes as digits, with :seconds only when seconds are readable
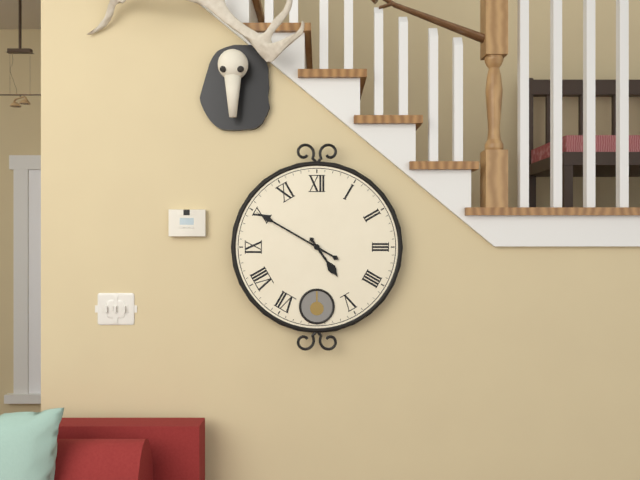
4:50
